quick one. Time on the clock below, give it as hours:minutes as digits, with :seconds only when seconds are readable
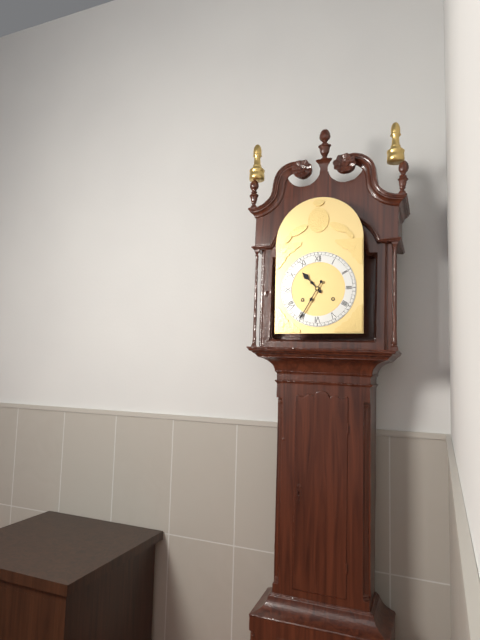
10:35
